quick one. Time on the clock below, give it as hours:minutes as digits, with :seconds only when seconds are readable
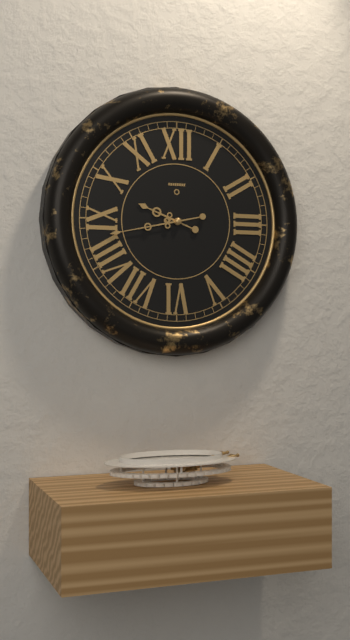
9:43
